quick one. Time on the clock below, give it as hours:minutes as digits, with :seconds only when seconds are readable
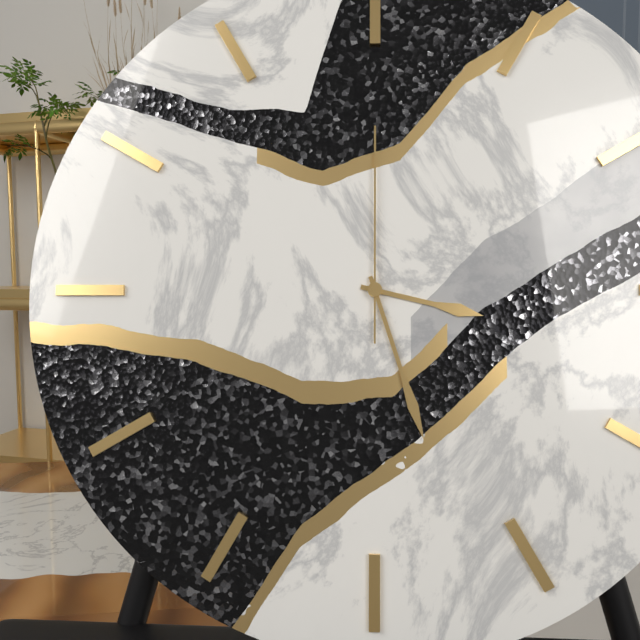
3:27:00
